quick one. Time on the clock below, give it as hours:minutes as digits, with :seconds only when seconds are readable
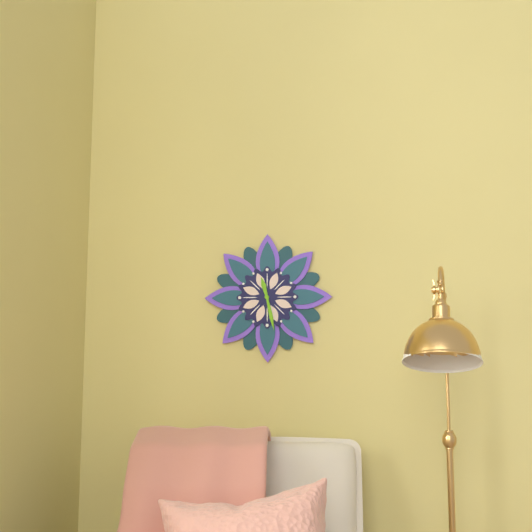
11:28
